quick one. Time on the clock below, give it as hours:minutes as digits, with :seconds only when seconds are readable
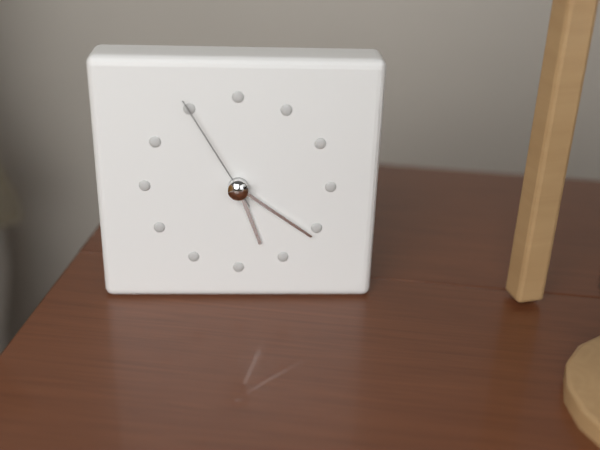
5:21:55
